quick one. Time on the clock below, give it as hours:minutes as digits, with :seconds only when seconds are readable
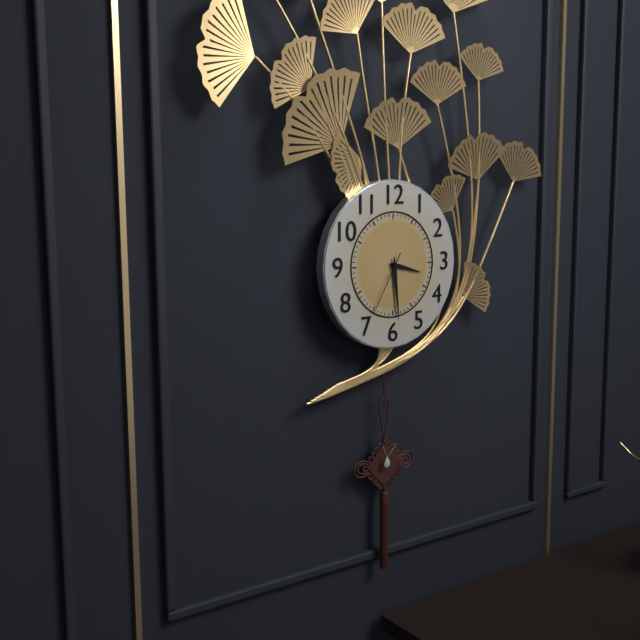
3:29:35
